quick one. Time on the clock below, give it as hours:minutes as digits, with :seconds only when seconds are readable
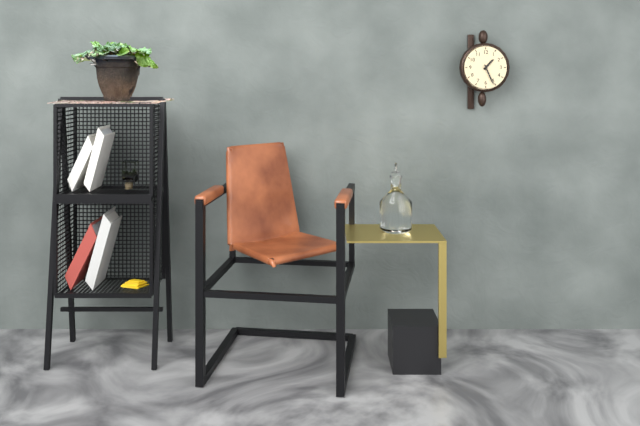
1:26
